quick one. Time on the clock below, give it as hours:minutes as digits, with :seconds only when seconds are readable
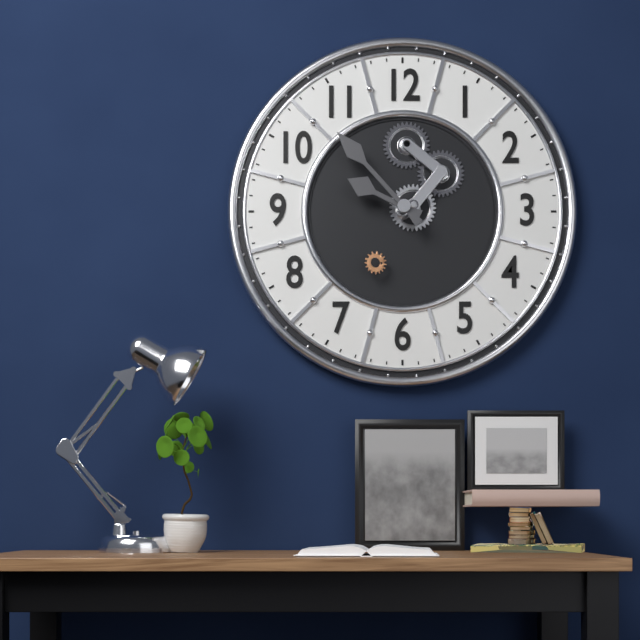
9:53
